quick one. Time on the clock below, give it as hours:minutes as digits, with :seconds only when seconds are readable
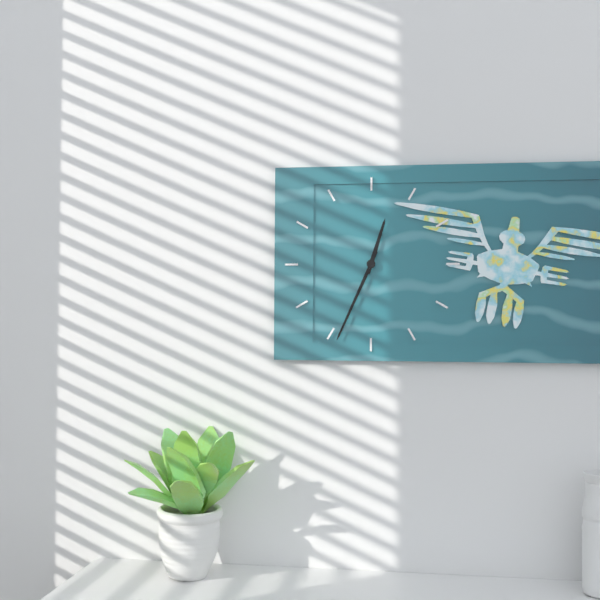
12:34
